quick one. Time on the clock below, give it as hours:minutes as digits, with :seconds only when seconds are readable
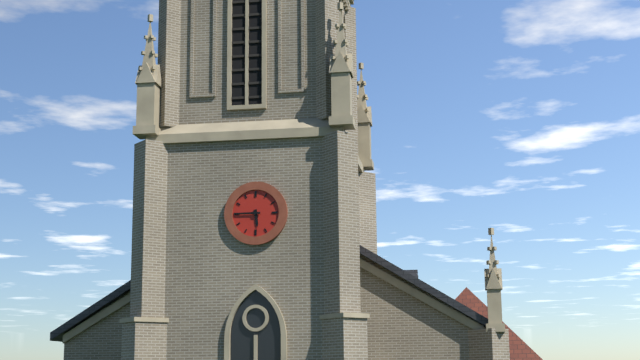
5:45
